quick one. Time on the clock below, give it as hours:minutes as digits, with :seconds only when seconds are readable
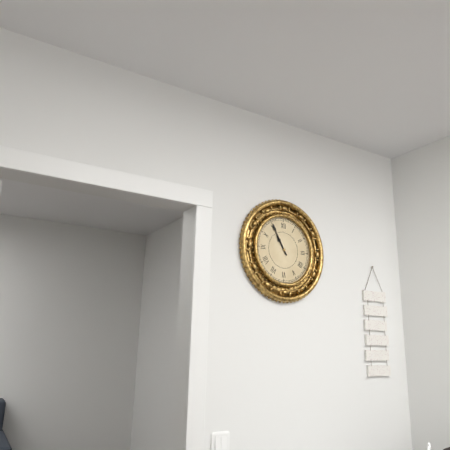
10:55
